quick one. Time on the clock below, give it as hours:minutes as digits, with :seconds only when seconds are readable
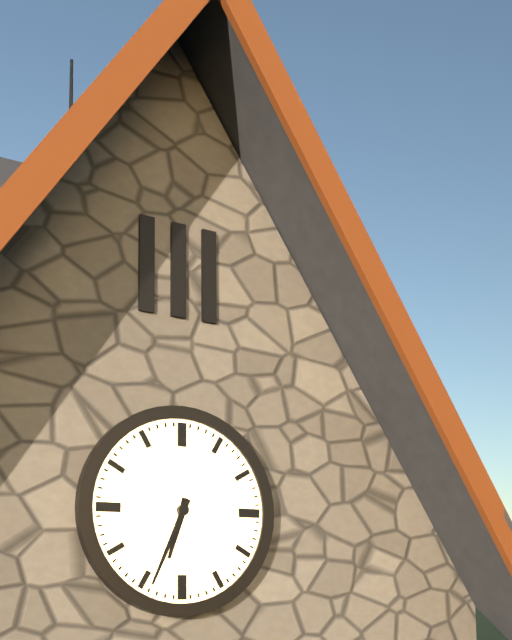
6:34
